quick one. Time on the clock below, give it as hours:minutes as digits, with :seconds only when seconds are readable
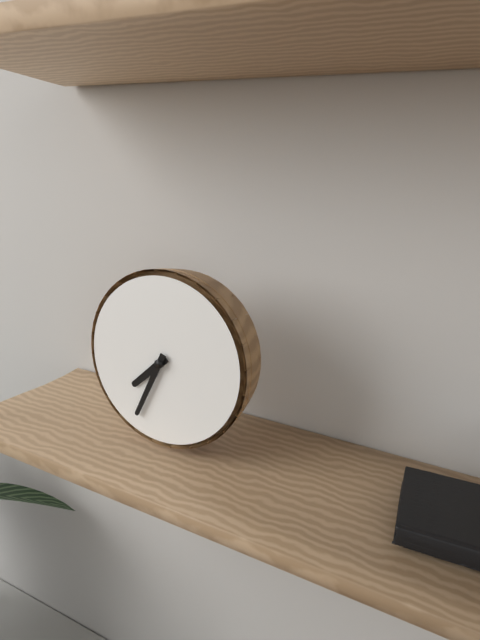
7:34
